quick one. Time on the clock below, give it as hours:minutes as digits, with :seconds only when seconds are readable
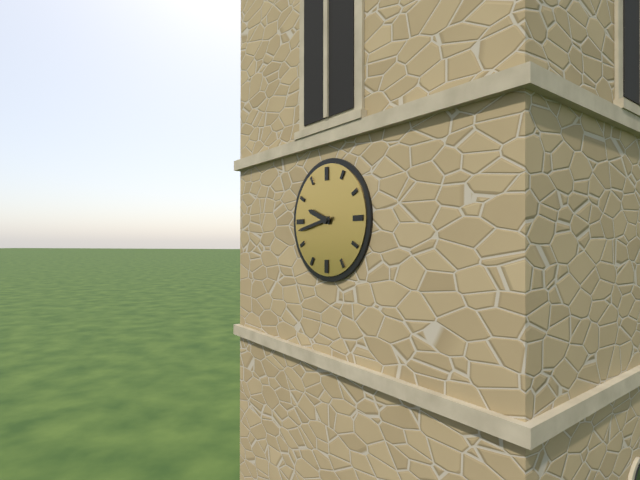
9:43
